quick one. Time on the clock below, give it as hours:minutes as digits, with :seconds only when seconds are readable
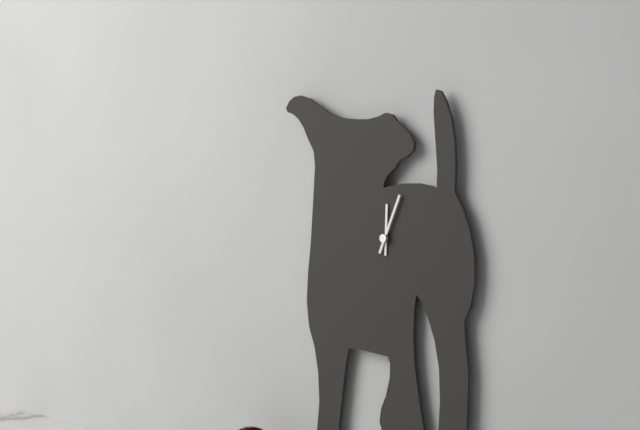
12:04
